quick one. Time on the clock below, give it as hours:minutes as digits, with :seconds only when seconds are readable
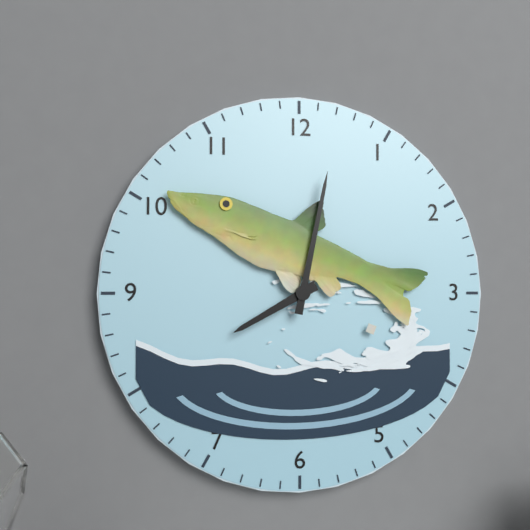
8:02
